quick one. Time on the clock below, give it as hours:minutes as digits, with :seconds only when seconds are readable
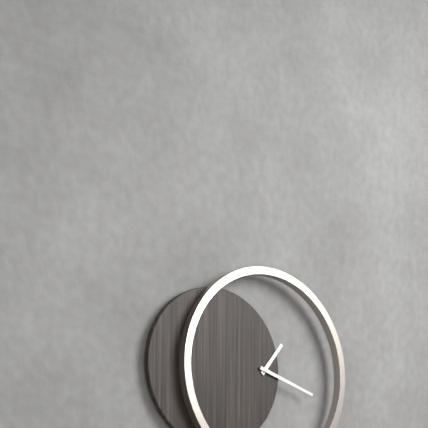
1:18
